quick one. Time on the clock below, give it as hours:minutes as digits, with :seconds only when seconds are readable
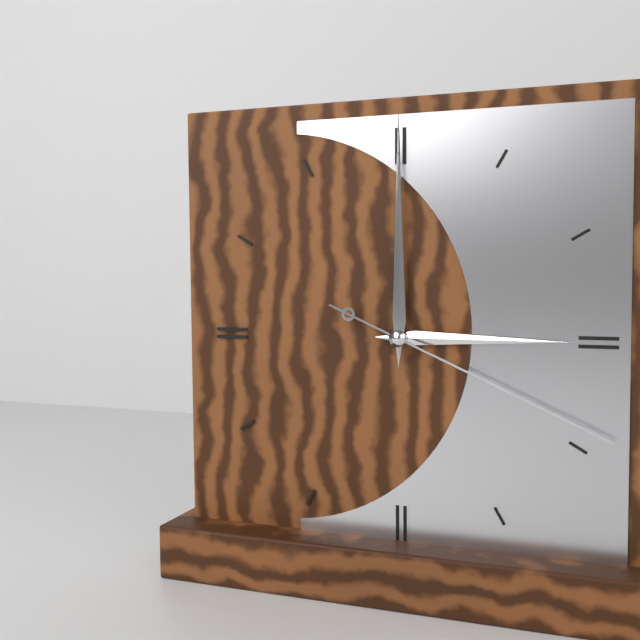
3:00:19
